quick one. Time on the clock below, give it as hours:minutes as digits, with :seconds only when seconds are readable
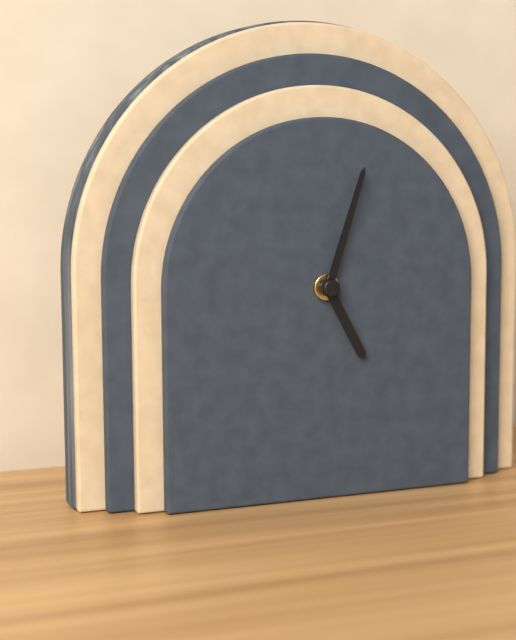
5:03
